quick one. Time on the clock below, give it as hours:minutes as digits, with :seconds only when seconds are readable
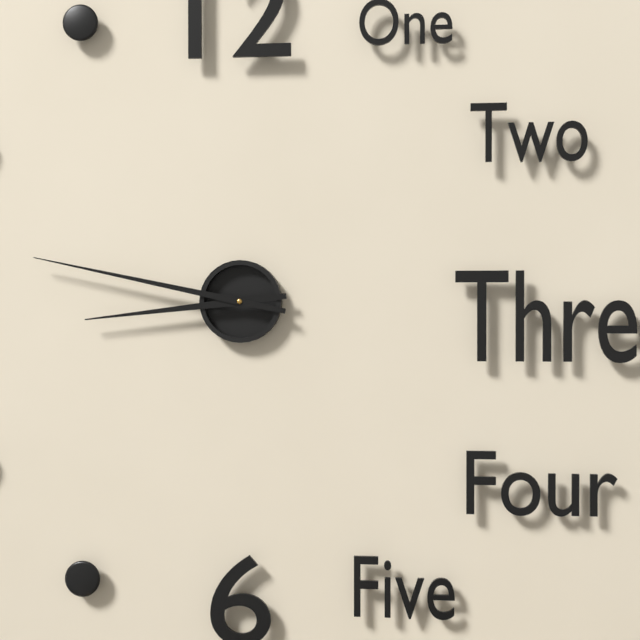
8:47
